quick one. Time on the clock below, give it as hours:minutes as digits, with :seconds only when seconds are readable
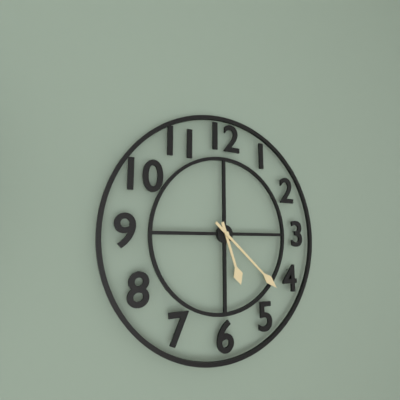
5:22
